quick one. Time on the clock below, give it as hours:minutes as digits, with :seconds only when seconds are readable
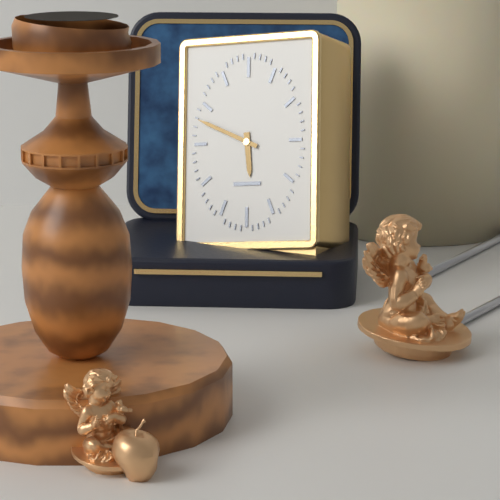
5:49
